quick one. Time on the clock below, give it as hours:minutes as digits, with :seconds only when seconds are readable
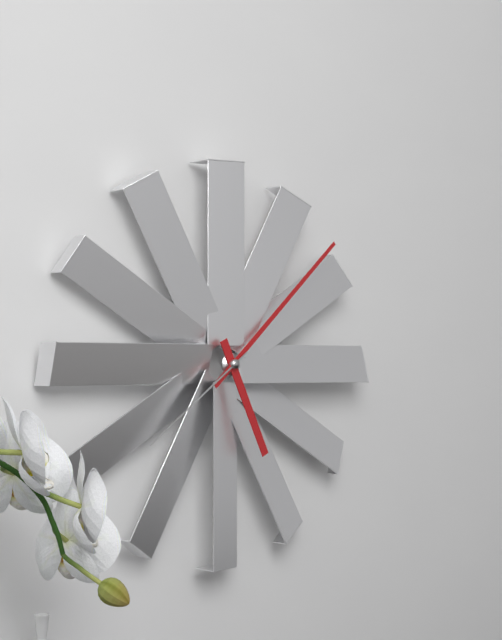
5:08:39
